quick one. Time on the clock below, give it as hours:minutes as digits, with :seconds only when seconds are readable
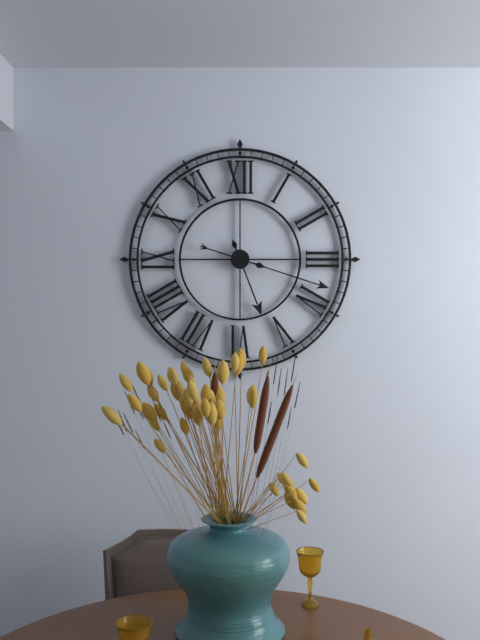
5:18
